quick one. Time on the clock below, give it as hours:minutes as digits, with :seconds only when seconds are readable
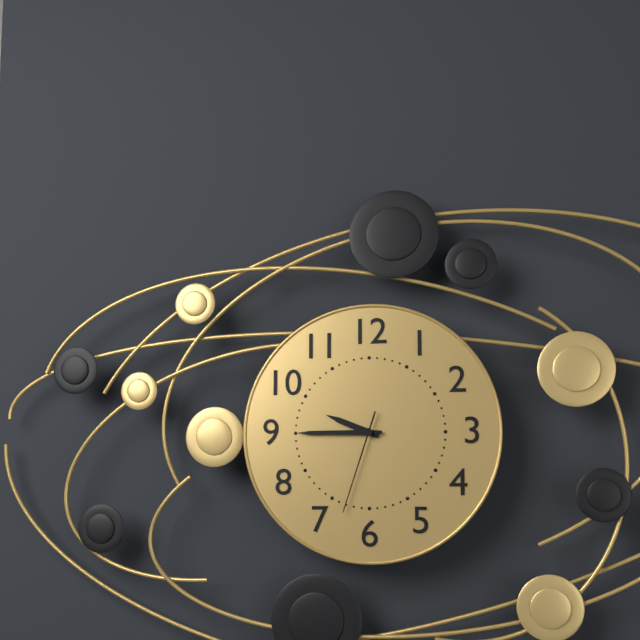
9:45:33
